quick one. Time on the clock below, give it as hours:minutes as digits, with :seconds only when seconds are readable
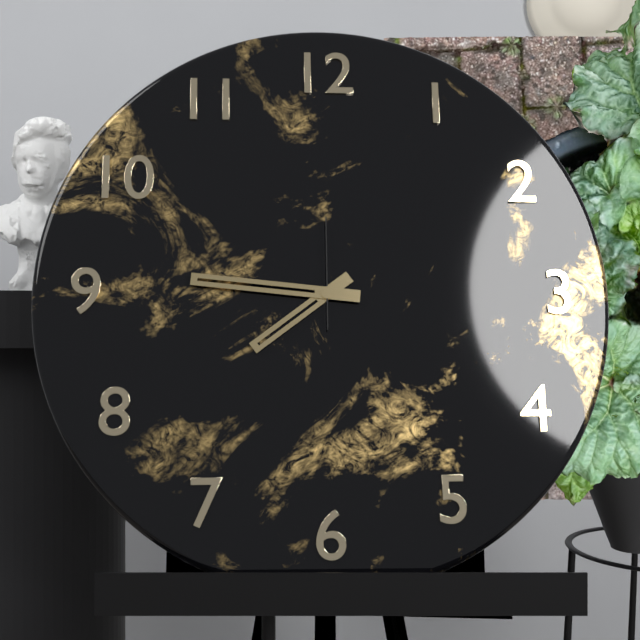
7:46:00
